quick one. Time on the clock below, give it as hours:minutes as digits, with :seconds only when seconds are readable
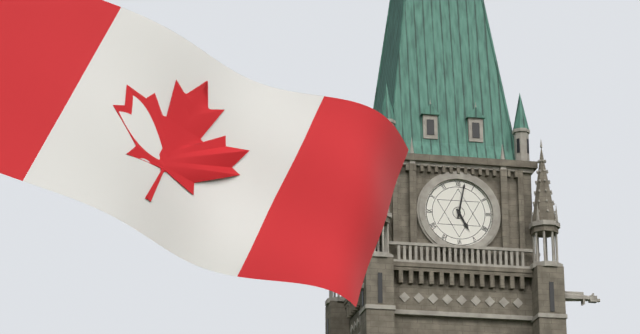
5:02
